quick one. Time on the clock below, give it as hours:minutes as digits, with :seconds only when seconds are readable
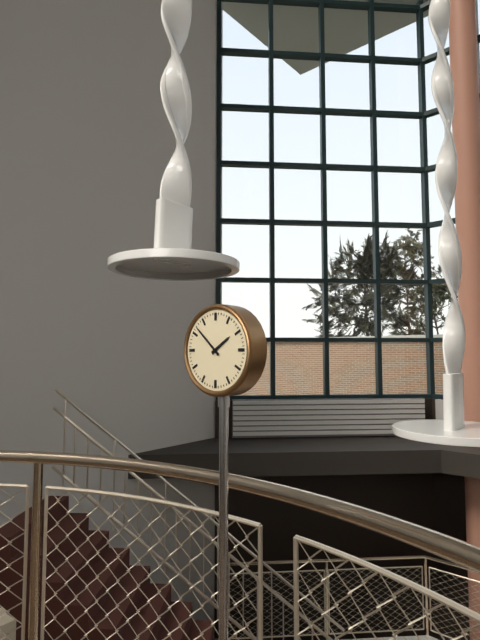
1:52
